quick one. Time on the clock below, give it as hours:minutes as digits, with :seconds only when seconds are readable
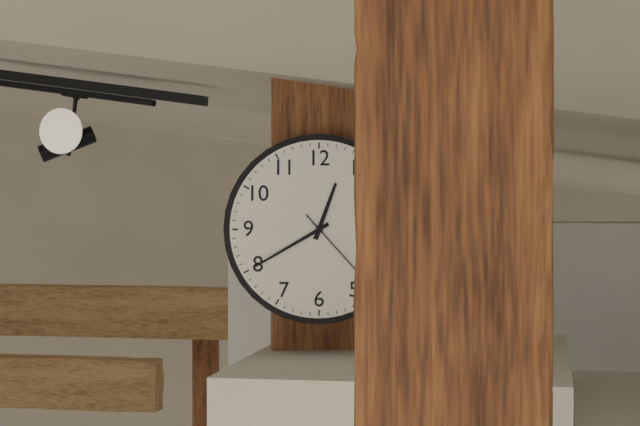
12:40
